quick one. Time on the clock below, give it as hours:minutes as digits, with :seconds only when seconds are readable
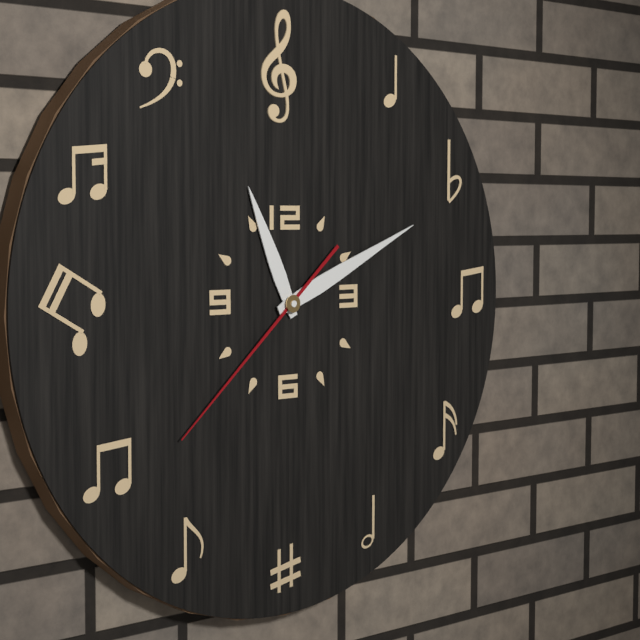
11:11:38
